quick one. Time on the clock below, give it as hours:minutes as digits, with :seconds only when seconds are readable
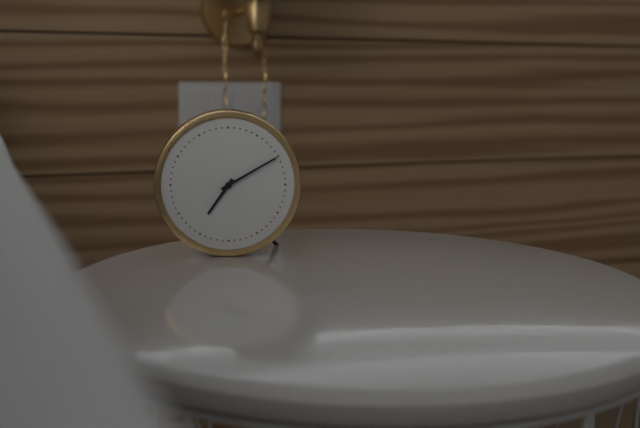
7:10
